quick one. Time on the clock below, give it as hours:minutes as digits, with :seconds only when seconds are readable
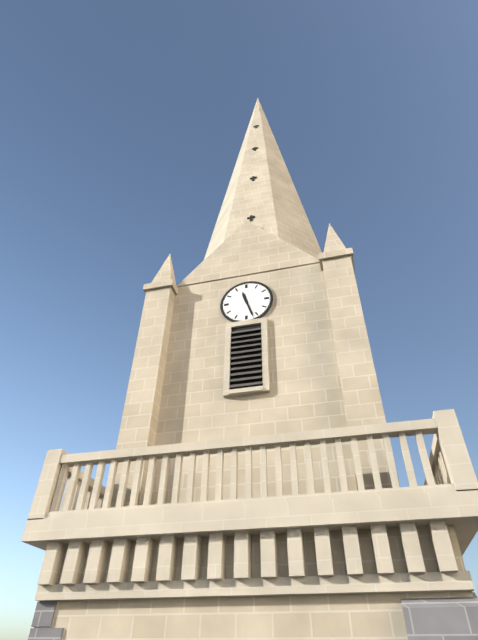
11:27
